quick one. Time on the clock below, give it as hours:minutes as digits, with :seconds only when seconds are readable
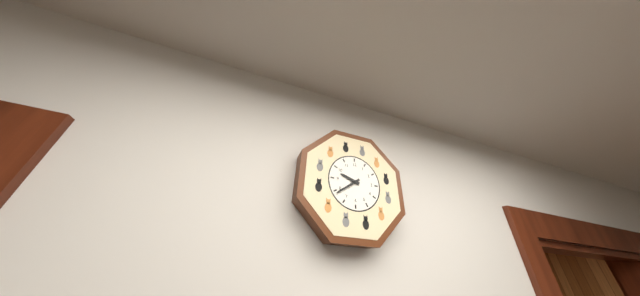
9:39
